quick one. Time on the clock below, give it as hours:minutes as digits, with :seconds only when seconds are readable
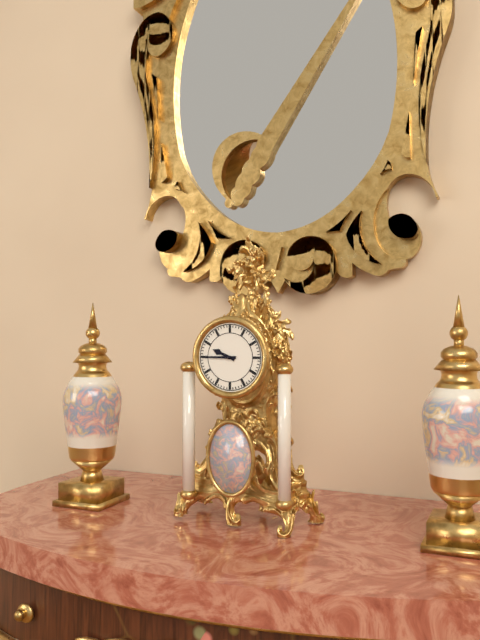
9:45
